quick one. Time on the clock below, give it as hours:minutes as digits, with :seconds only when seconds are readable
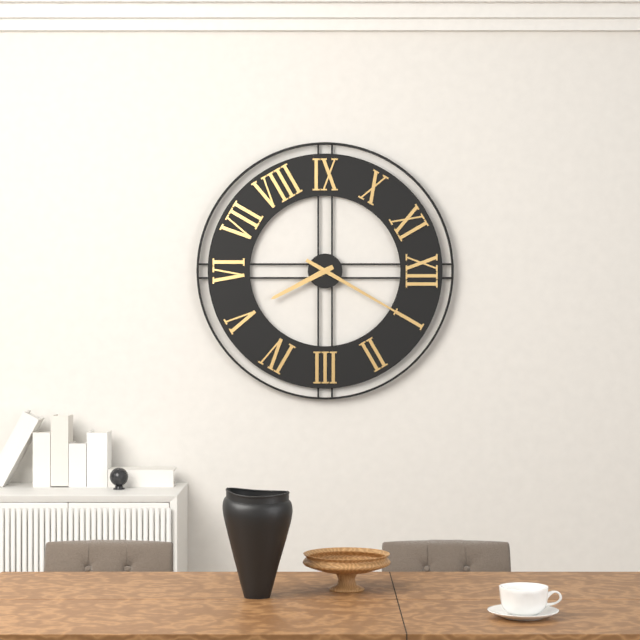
5:05
